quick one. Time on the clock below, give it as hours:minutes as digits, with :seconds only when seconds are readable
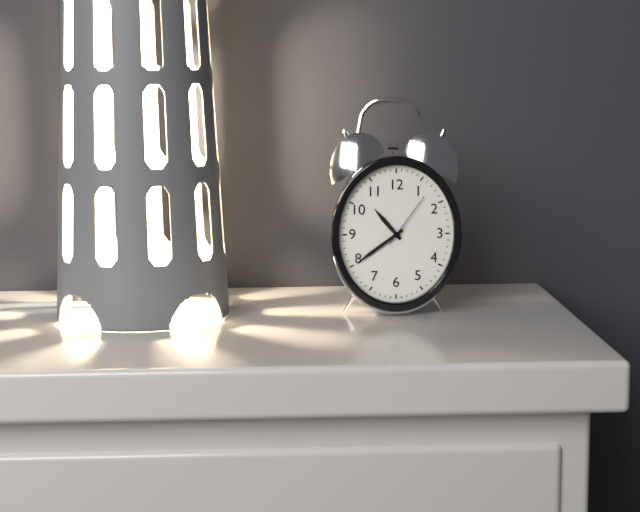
10:39:06
